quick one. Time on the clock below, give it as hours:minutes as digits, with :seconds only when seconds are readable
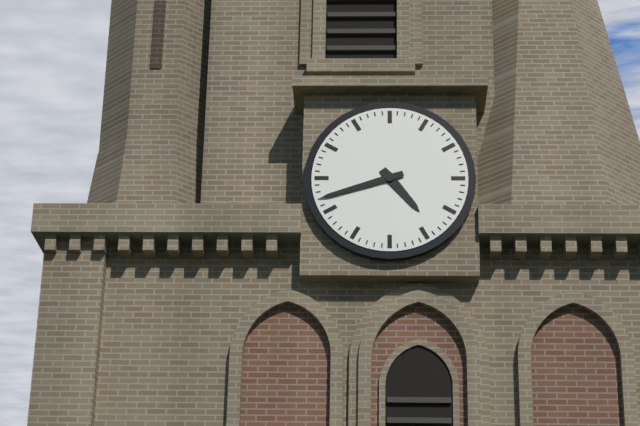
4:42
